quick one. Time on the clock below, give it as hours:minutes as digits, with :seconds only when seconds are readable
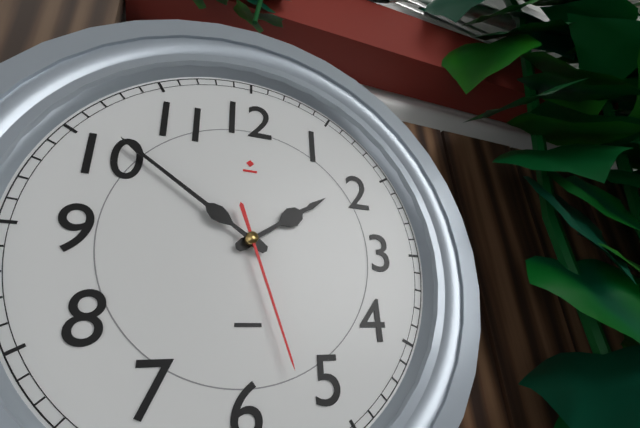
1:51:27
